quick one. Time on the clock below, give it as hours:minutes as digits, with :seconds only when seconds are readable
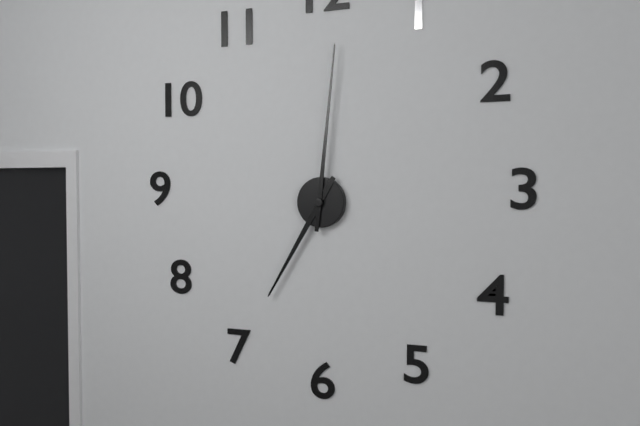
7:01
